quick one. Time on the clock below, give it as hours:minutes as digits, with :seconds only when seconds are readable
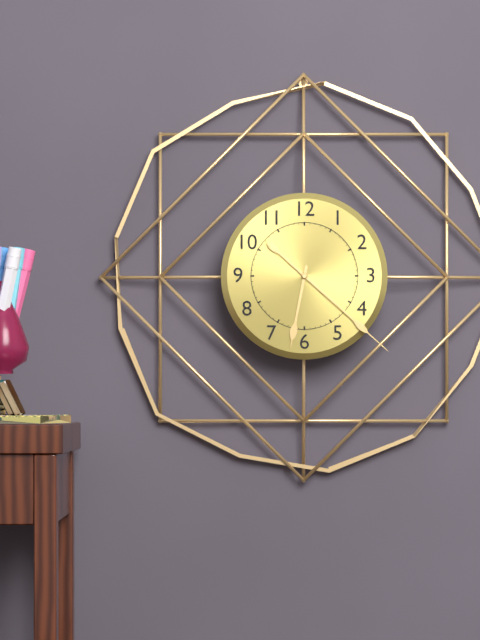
6:22
